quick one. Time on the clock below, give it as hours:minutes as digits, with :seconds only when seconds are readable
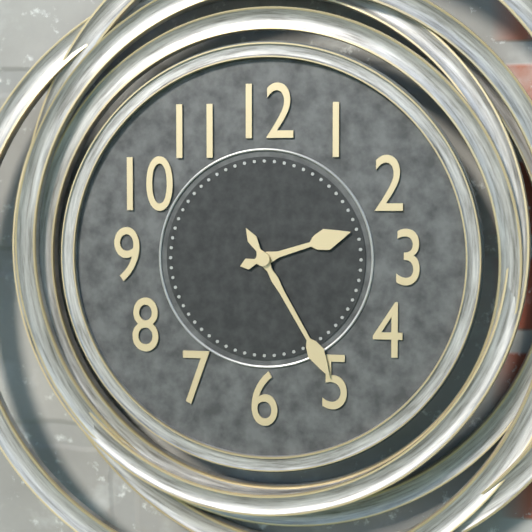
2:25
